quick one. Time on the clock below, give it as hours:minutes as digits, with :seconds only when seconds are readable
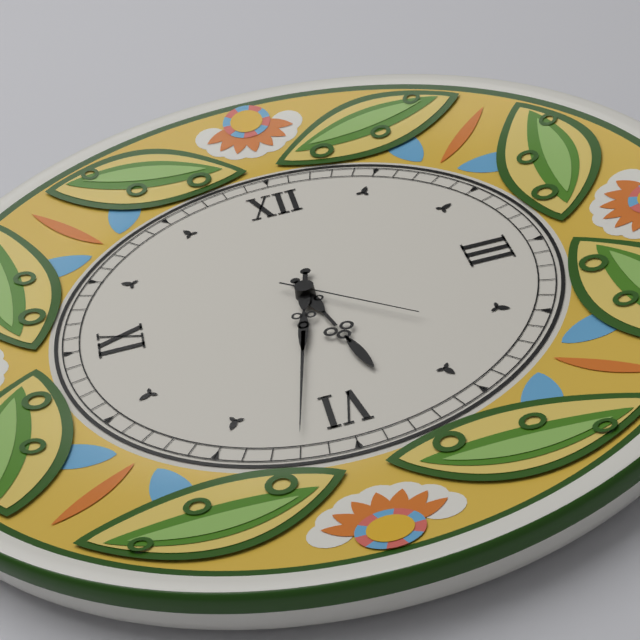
5:32:22
